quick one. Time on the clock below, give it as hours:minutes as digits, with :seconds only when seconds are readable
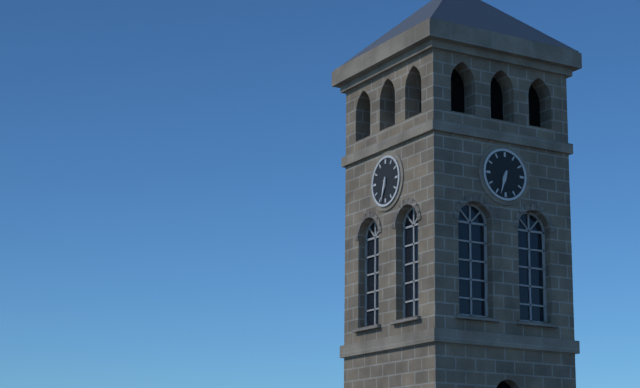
6:33
